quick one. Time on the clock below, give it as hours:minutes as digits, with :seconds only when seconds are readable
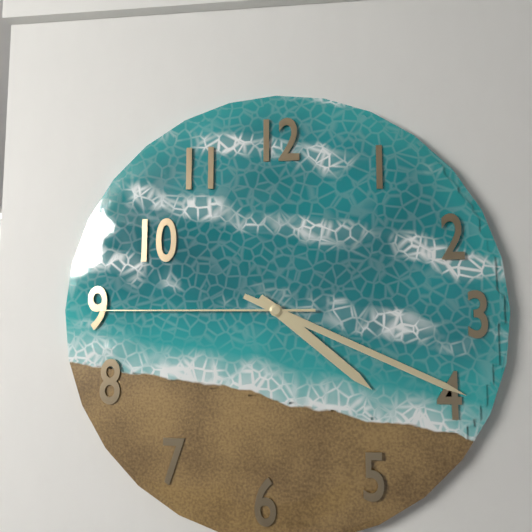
4:19:45
